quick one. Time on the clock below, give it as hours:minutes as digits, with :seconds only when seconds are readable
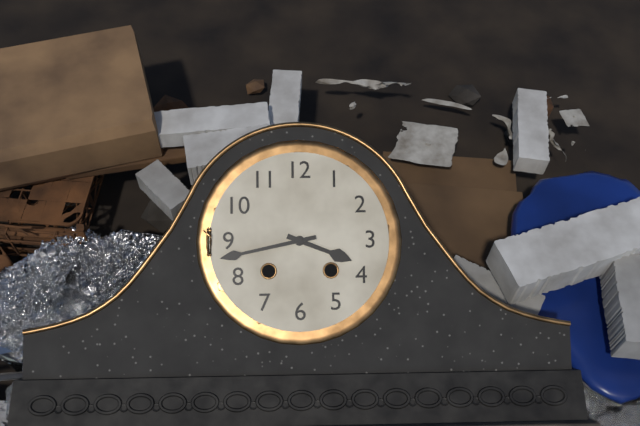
3:43
